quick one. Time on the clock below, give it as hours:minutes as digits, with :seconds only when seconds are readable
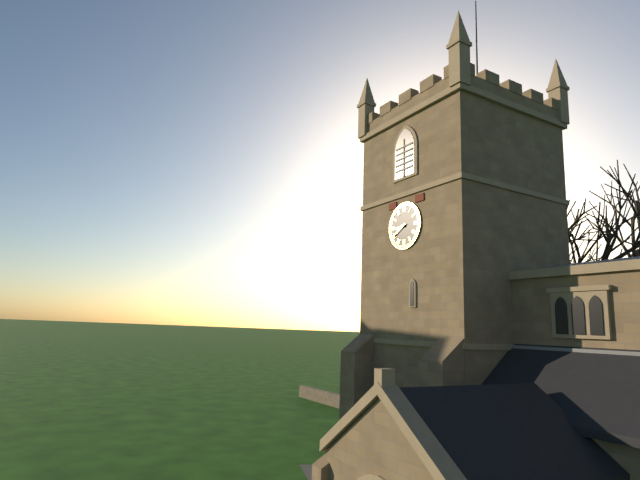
8:40
